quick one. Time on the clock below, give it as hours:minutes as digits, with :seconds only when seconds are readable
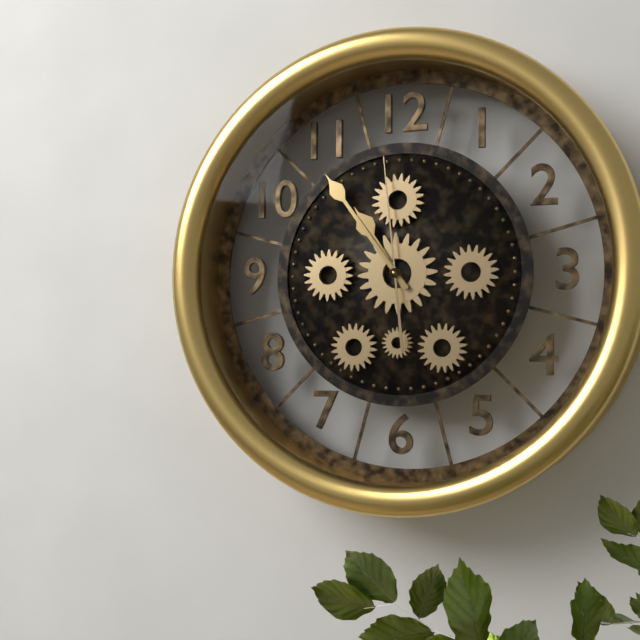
10:54:59
